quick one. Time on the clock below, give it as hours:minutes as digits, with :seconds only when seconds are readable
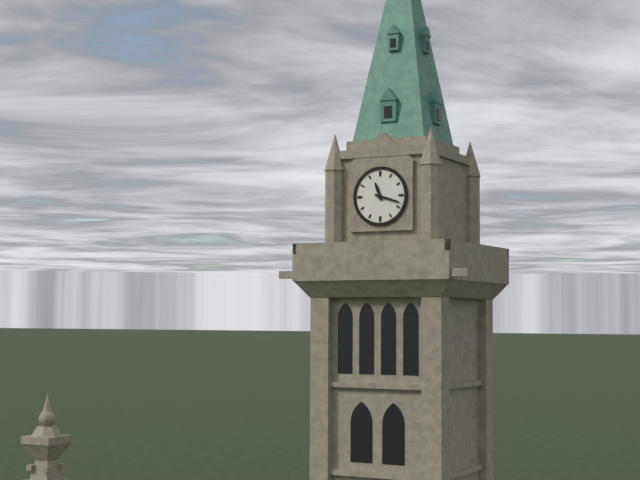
11:18
